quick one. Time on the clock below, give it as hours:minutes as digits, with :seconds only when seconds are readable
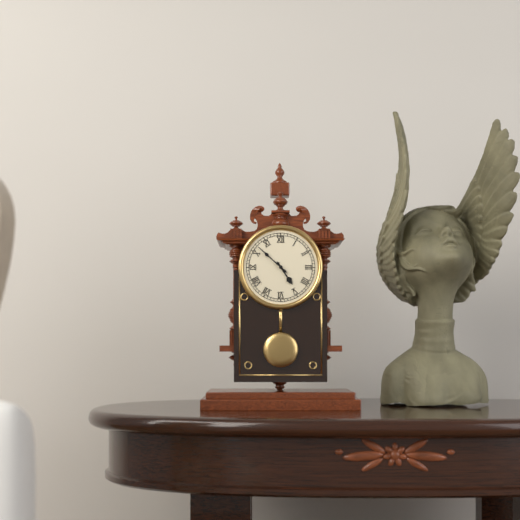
4:52
